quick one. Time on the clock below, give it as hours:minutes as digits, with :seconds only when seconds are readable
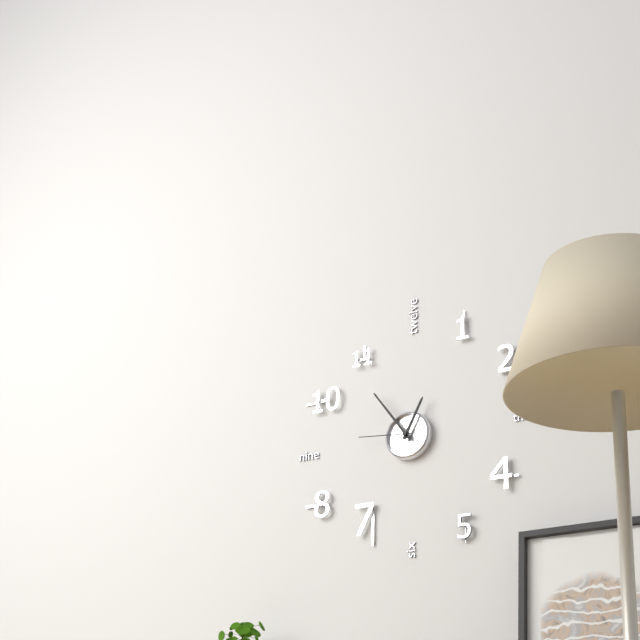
12:54:46
